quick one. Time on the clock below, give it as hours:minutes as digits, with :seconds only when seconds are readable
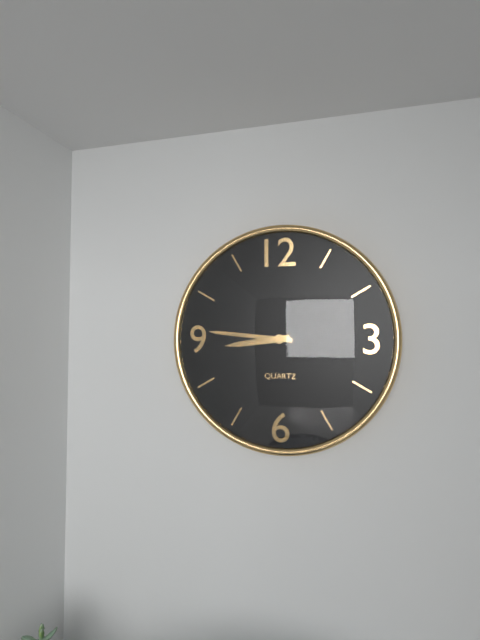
8:46
